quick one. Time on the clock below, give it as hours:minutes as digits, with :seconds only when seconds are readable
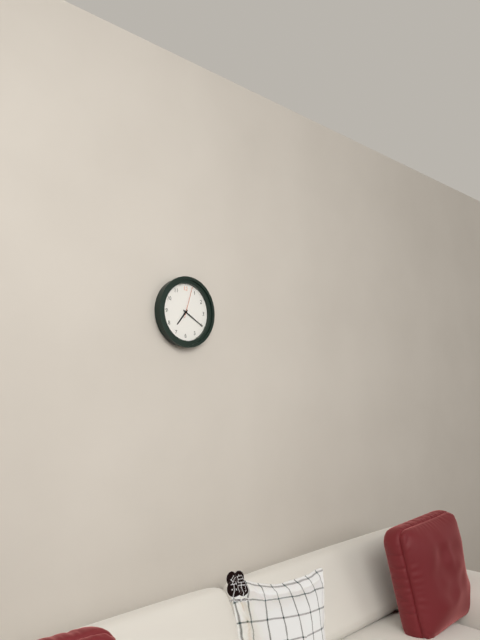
7:20
